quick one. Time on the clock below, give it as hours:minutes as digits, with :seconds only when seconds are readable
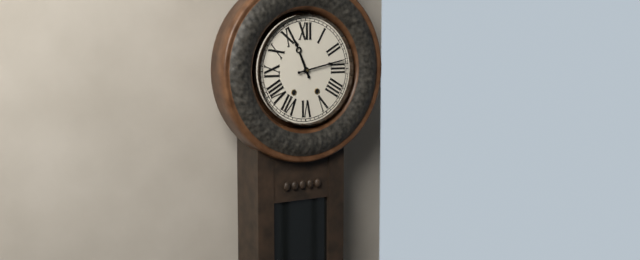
11:13
